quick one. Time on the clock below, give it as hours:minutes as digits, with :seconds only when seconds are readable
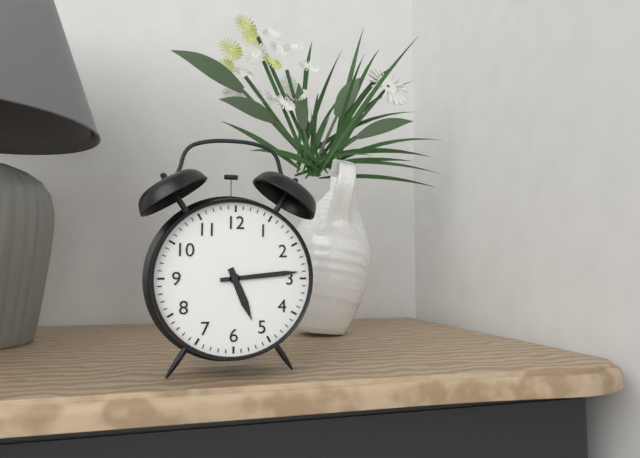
5:14
